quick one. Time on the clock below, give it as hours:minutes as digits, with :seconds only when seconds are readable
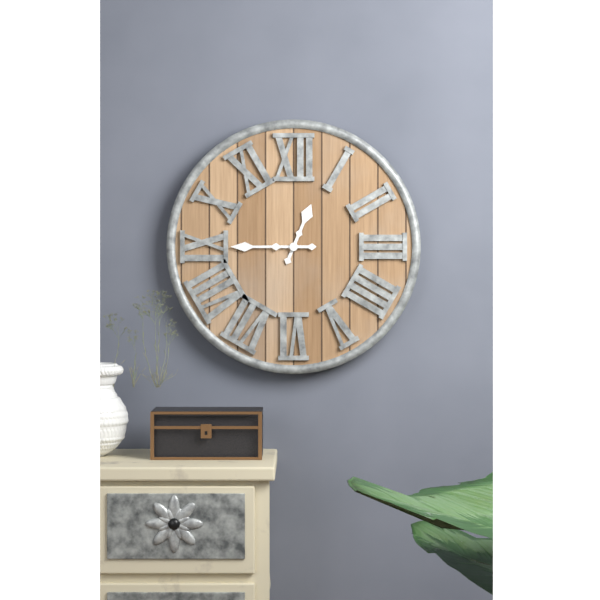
12:45
